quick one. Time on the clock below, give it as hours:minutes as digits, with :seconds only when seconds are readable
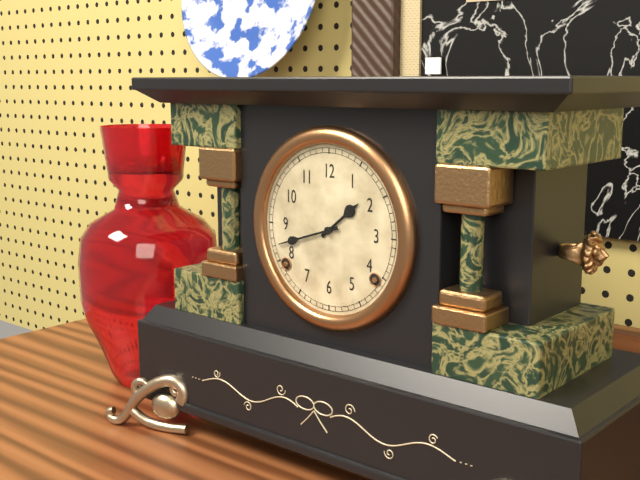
1:42
